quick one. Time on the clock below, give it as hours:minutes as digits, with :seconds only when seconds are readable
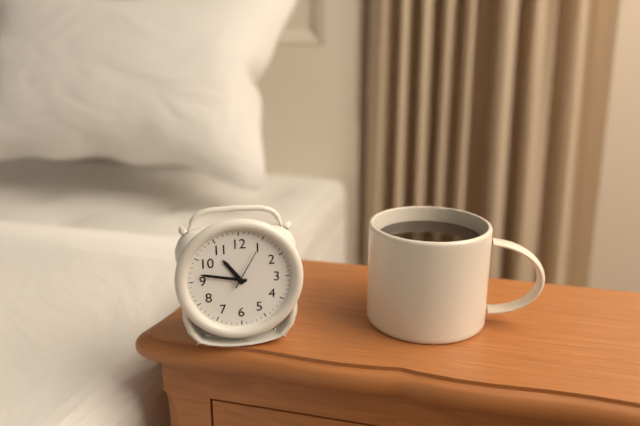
10:47
